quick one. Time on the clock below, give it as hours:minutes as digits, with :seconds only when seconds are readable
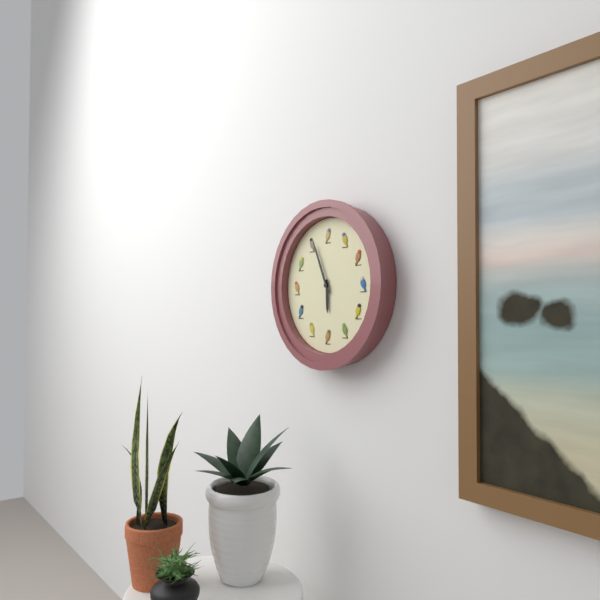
5:56
